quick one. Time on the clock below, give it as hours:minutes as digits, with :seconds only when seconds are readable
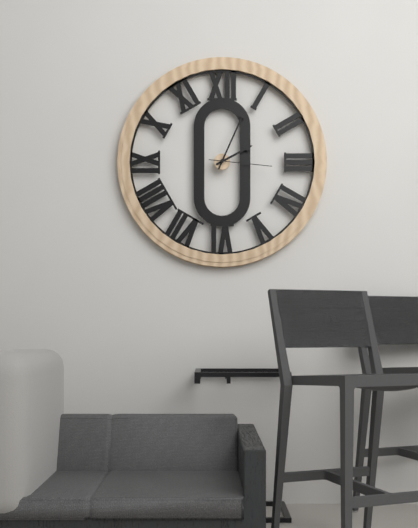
2:04:16
